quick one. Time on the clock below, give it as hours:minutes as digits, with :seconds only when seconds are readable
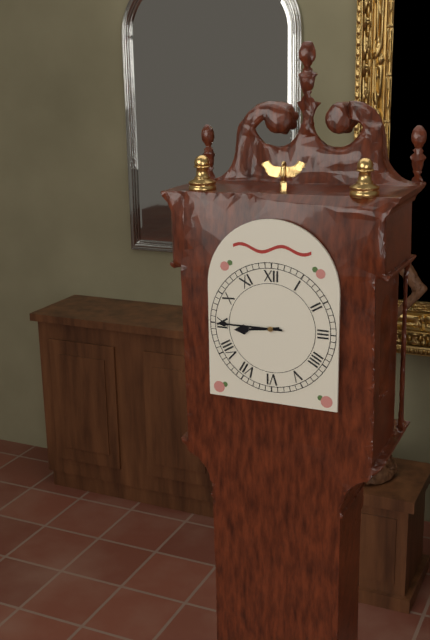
8:45
